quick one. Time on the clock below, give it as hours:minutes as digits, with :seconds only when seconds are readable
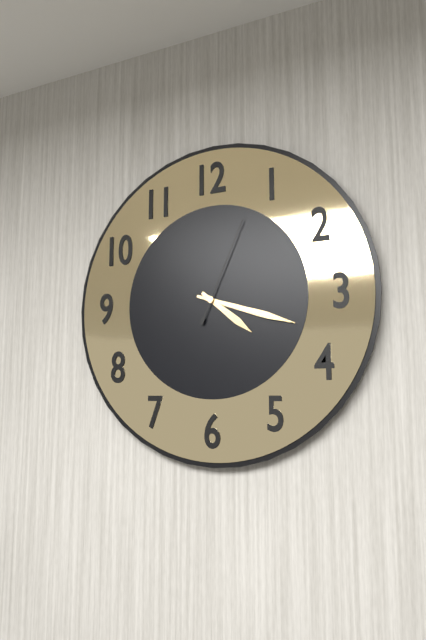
4:18:04
